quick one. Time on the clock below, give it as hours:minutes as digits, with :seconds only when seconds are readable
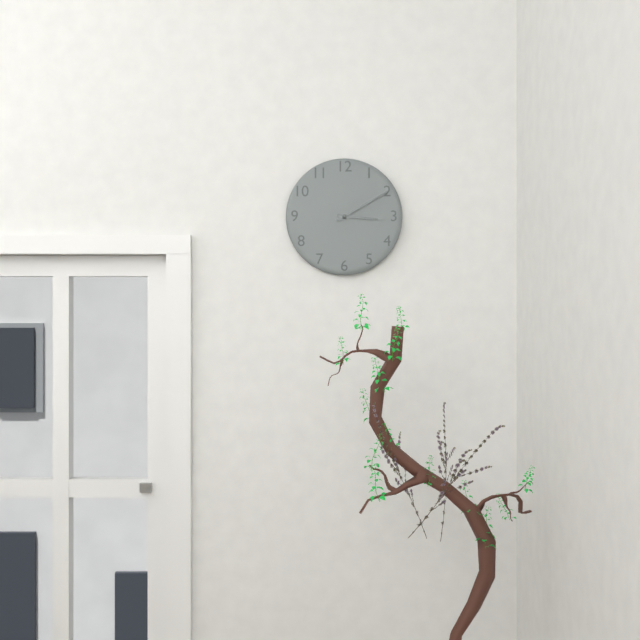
3:10
